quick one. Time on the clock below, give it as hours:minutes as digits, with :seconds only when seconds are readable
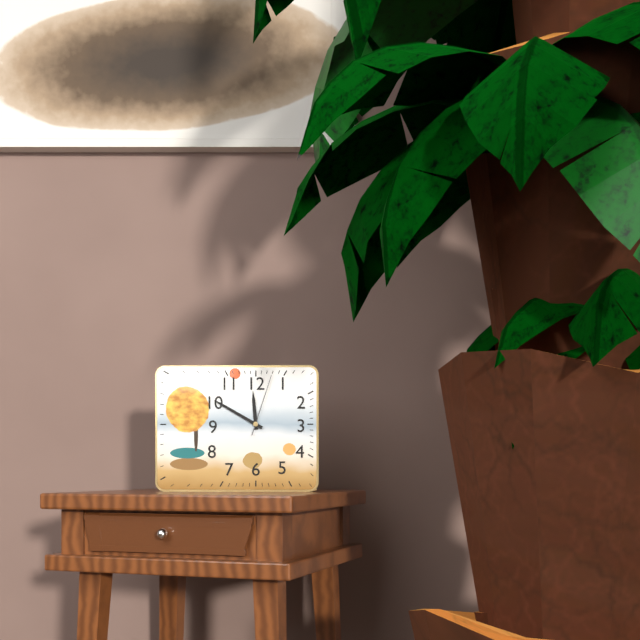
11:50:03
